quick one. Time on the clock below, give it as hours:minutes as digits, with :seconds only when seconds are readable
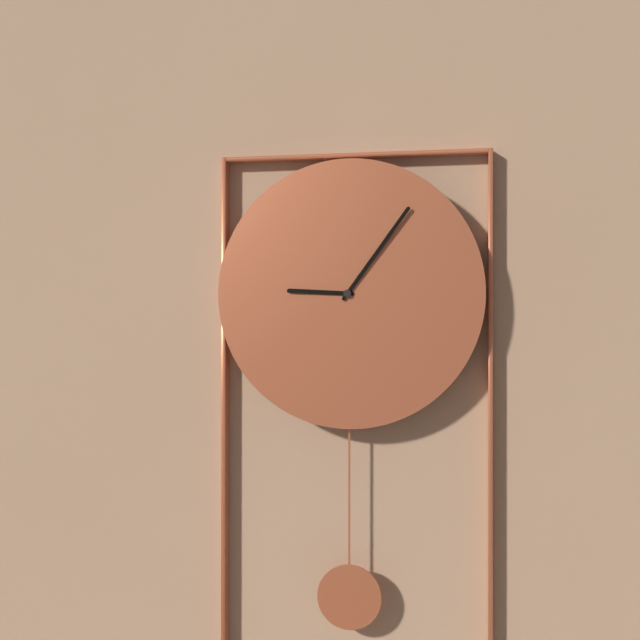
9:06
